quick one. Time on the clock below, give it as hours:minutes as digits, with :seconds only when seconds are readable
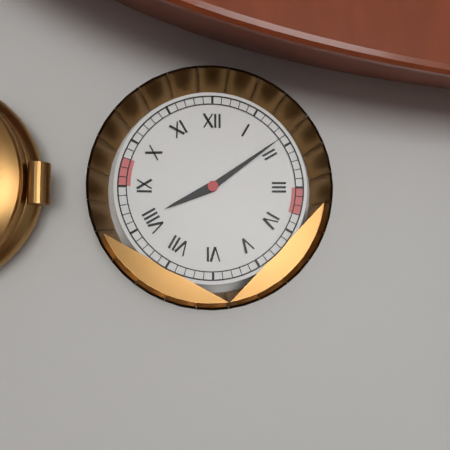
8:09
